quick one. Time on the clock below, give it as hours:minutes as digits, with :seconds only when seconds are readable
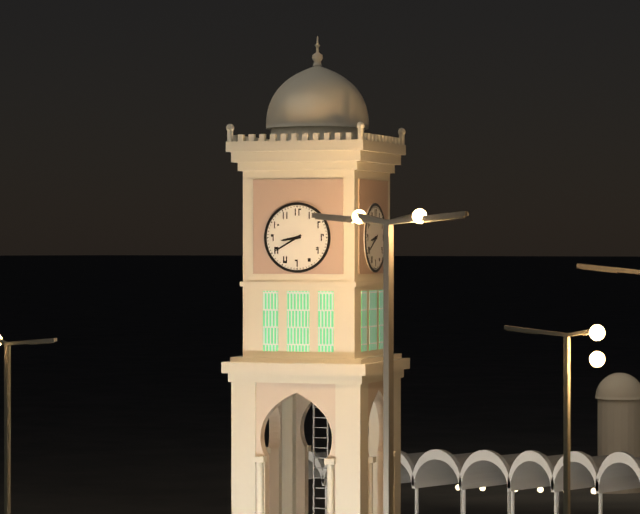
8:40
